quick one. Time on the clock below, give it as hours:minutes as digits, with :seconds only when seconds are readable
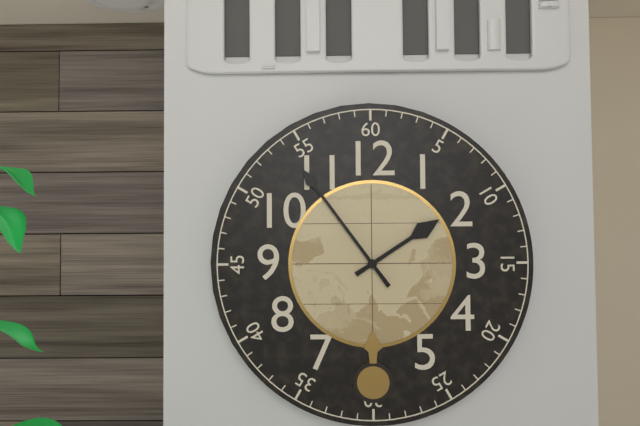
1:54
